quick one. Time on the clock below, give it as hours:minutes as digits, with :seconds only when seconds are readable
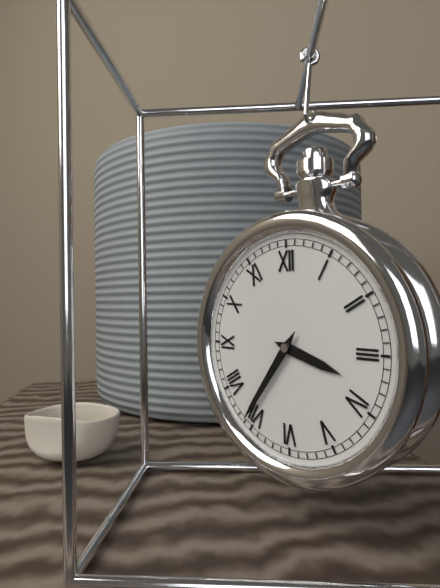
3:36
